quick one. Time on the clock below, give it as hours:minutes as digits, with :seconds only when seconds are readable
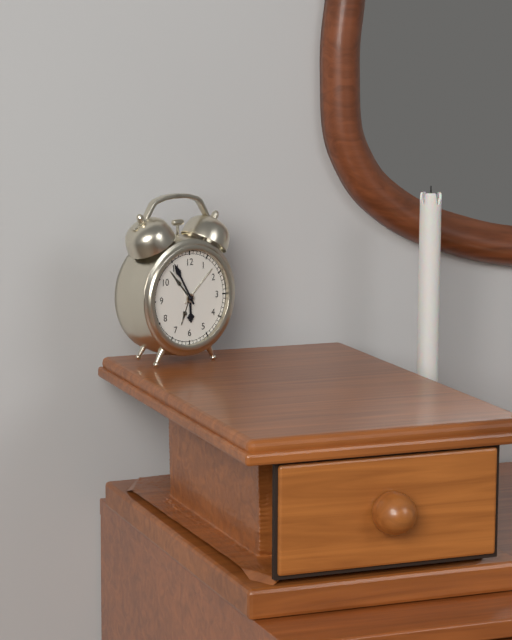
5:55
